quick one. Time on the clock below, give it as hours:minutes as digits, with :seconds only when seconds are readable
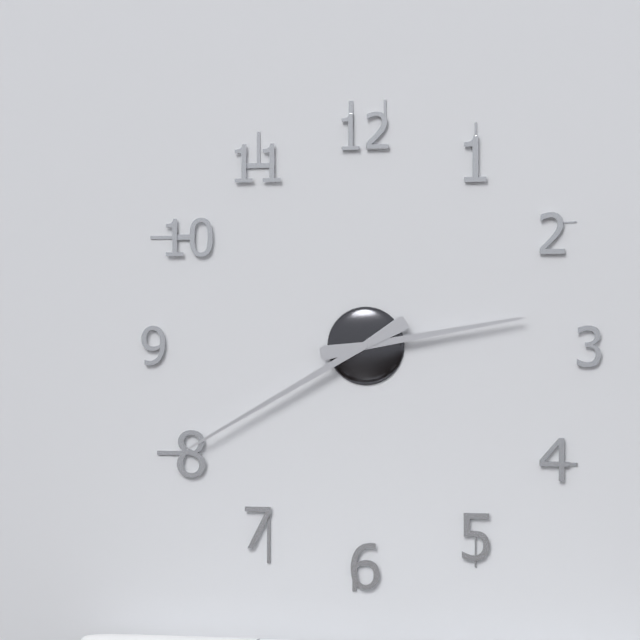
2:40
